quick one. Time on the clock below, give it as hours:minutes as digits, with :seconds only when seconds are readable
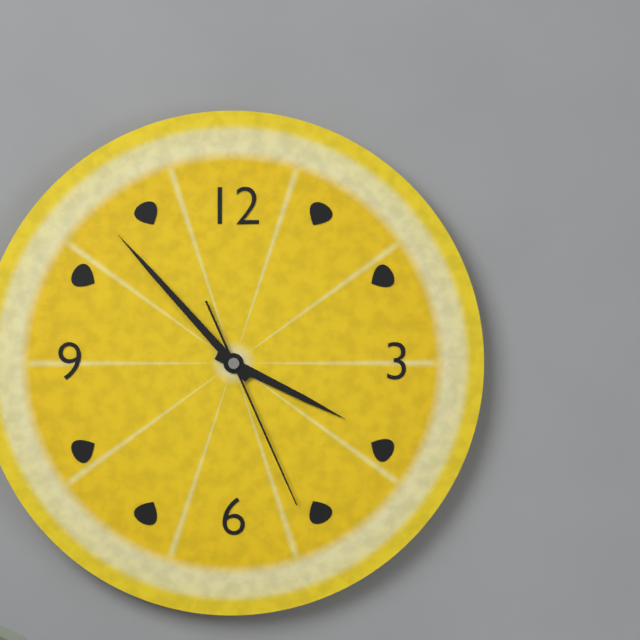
3:53:26
